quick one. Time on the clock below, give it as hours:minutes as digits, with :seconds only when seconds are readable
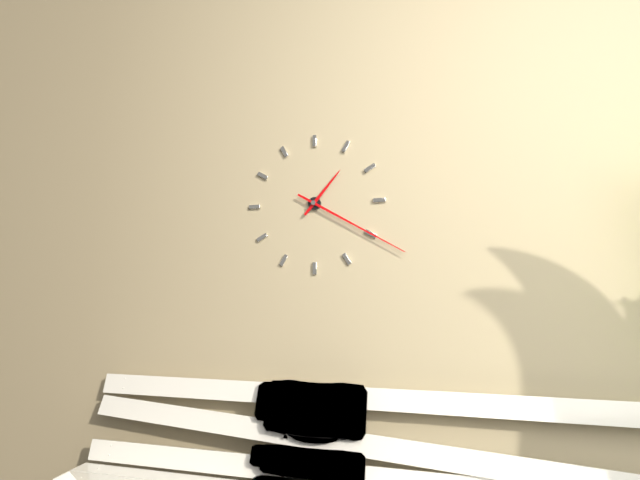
1:20
